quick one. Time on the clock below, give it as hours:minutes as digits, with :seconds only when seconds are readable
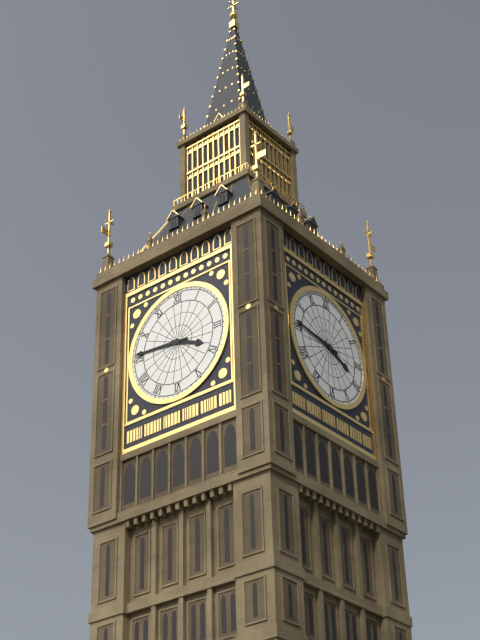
3:46
